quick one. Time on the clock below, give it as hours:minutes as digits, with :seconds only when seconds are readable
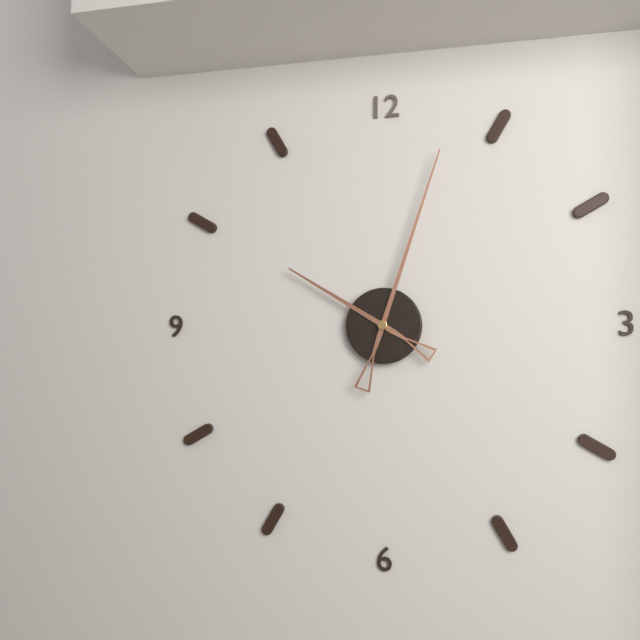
10:03
